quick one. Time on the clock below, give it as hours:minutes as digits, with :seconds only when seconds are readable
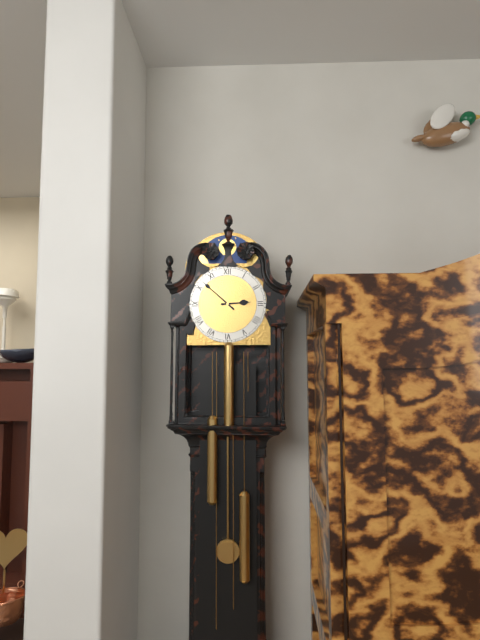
2:52
